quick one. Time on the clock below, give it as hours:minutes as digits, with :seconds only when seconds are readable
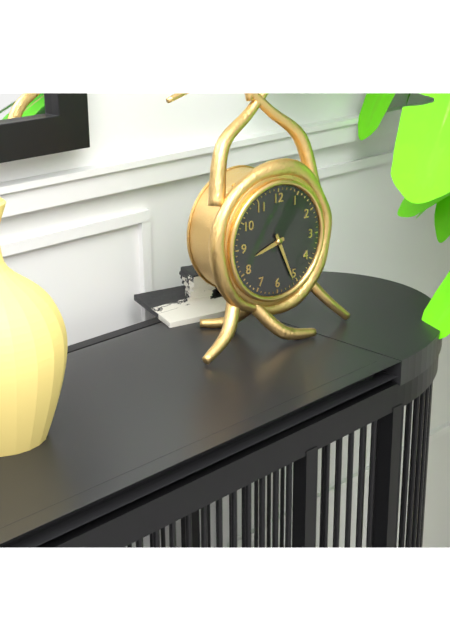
8:26
